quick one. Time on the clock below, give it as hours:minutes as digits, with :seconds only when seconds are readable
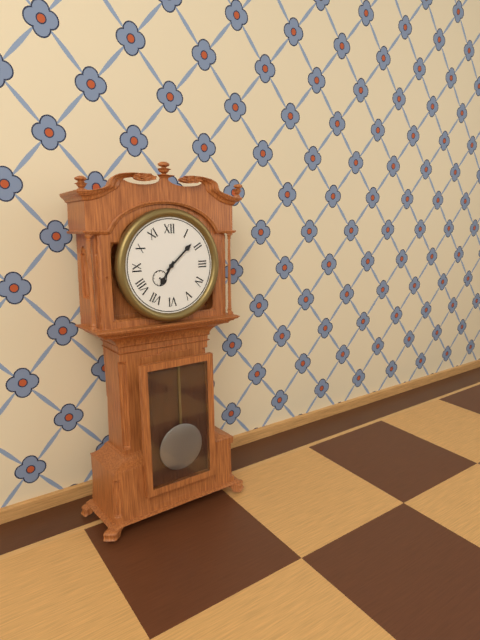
7:08
